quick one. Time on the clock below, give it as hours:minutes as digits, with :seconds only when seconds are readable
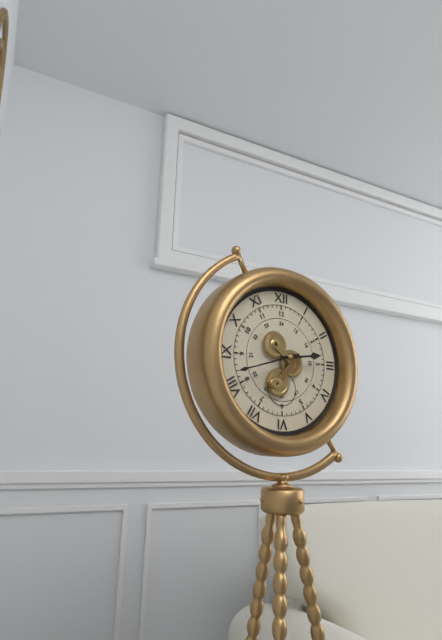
2:42
